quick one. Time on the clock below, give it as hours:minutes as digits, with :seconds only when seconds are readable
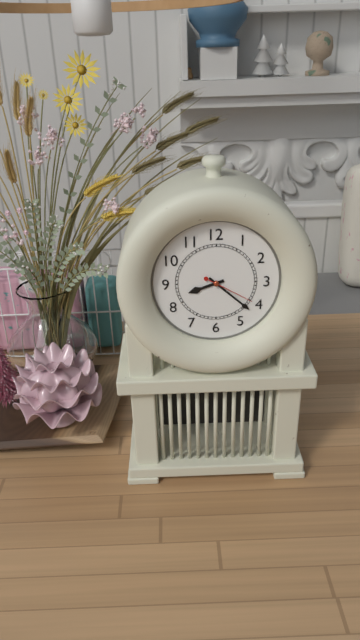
8:22:20
